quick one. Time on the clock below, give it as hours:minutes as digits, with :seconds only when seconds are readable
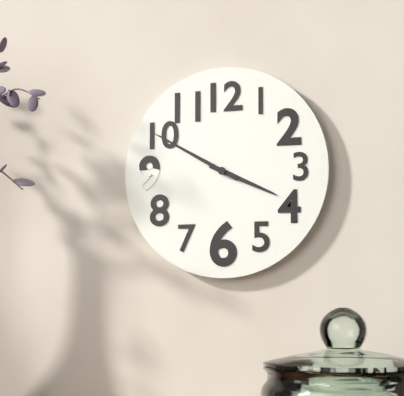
3:50
